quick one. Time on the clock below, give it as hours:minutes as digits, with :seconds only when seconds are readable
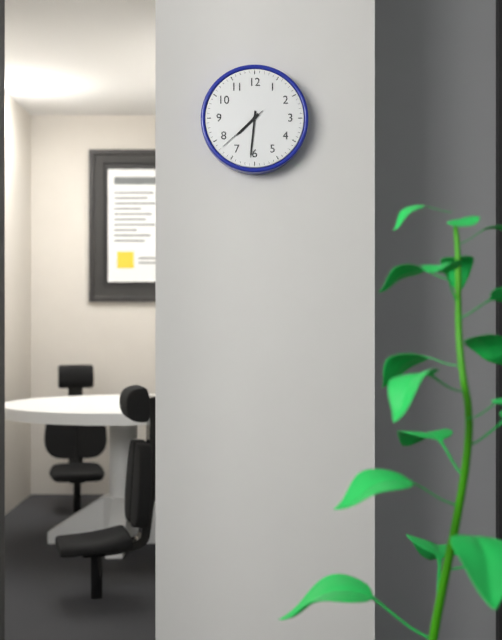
7:31:38
